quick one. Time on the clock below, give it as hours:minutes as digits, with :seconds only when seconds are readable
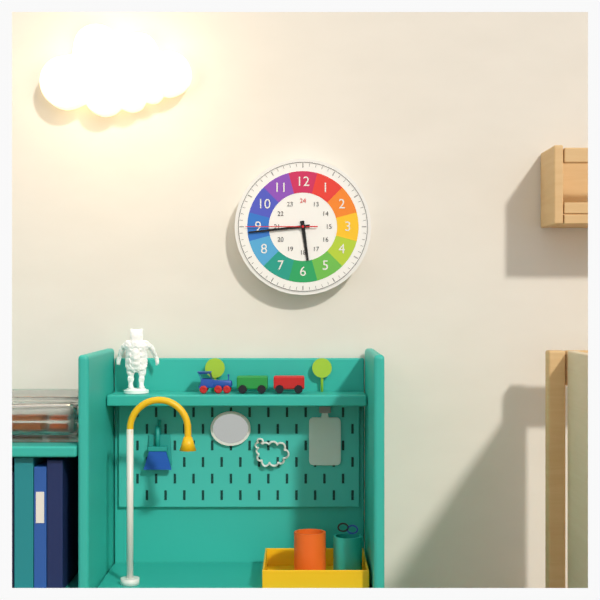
5:44:45
